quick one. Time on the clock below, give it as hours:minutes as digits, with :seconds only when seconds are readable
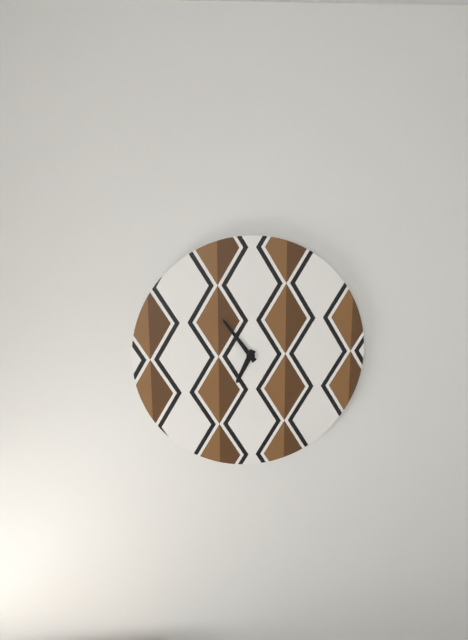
6:54
